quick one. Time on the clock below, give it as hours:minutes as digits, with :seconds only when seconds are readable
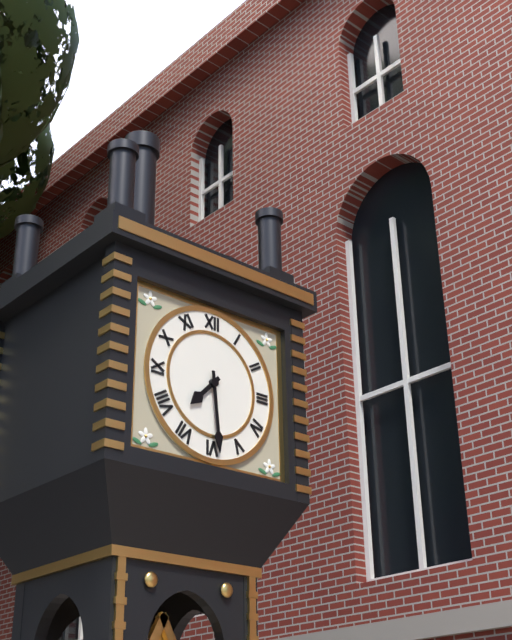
7:29
